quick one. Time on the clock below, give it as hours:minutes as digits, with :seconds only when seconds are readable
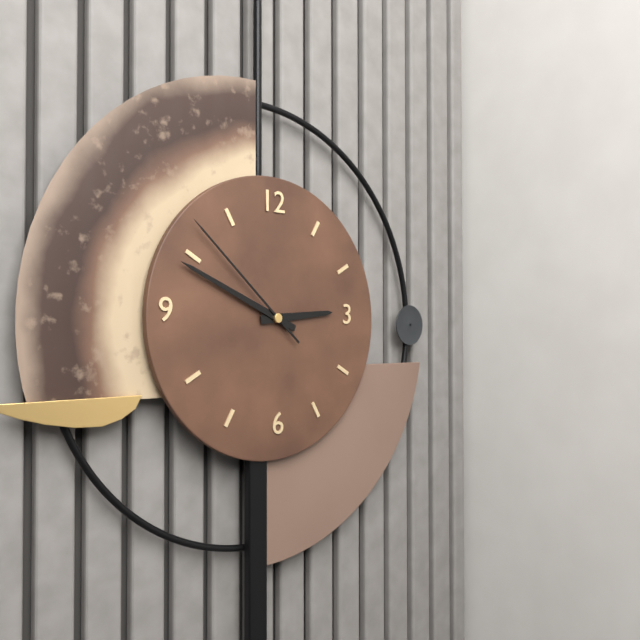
2:49:52
